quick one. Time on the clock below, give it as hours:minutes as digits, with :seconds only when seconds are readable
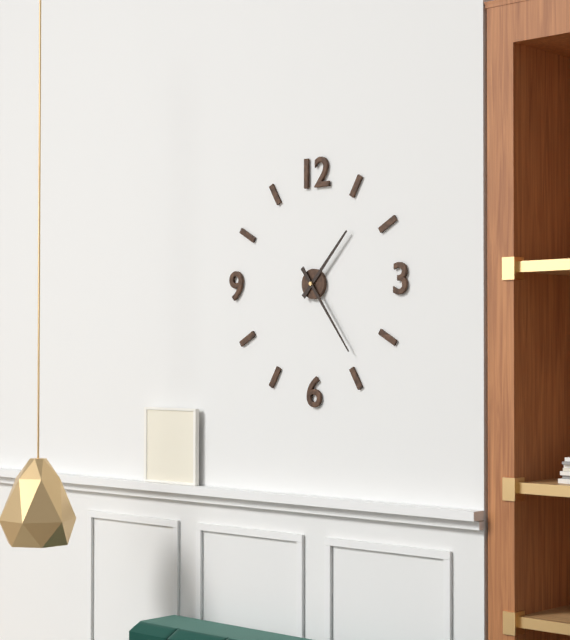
1:24
